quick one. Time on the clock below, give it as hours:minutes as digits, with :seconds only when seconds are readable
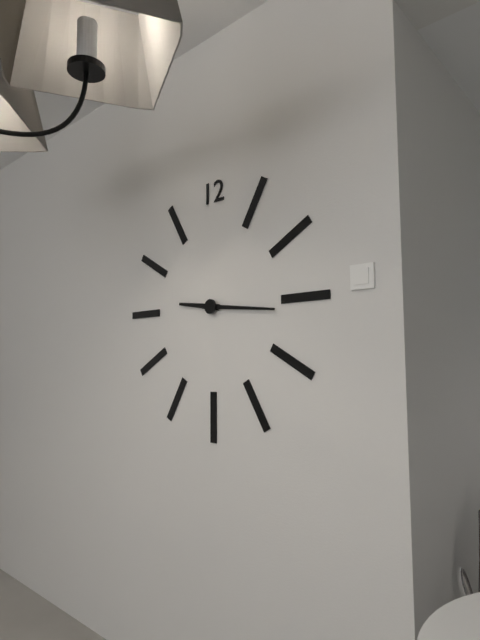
9:16
